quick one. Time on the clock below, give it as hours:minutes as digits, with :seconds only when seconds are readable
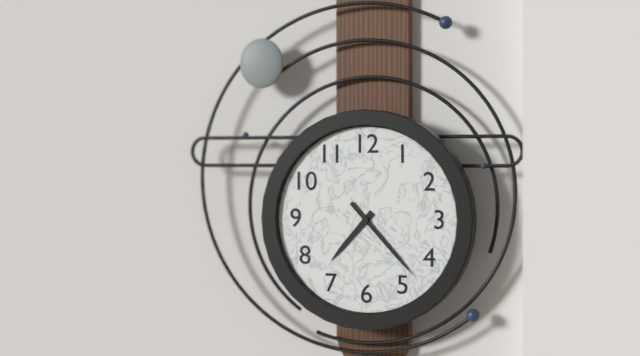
7:23
